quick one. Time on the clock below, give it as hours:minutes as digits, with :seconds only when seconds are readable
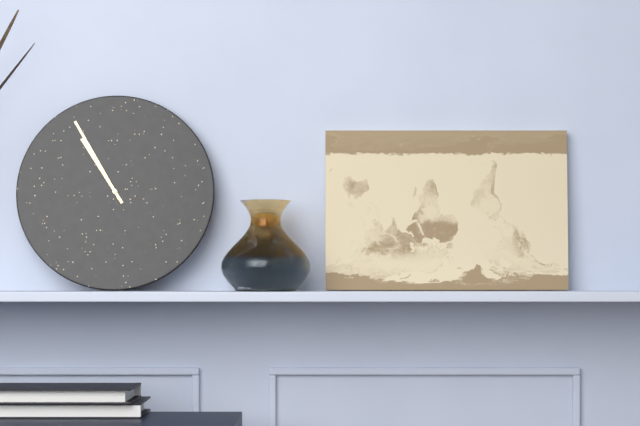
10:55
